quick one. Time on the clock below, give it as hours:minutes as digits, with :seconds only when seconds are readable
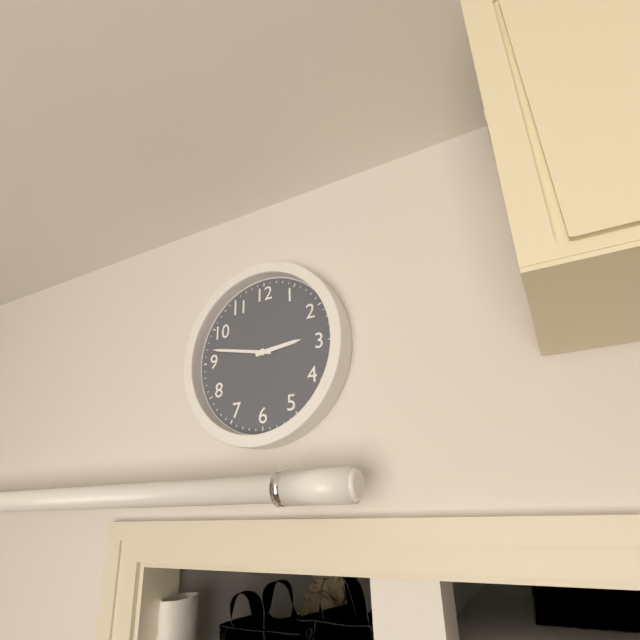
2:47
